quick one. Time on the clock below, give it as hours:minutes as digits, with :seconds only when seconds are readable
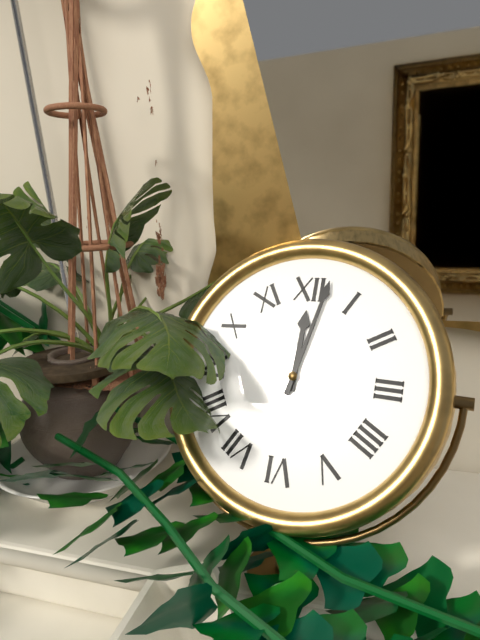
12:02
